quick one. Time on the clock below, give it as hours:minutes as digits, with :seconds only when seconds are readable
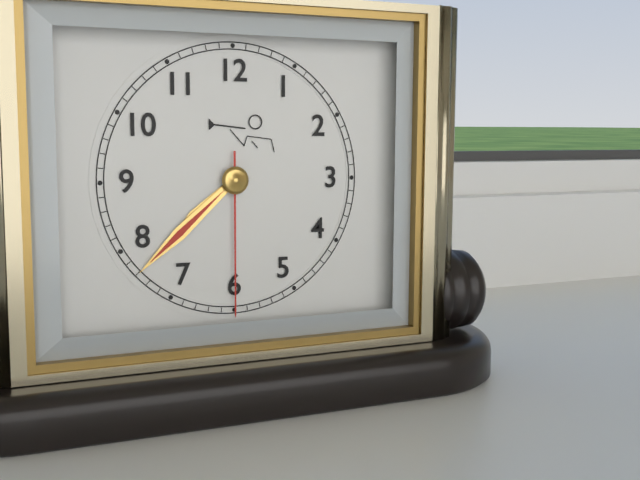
7:38:30
